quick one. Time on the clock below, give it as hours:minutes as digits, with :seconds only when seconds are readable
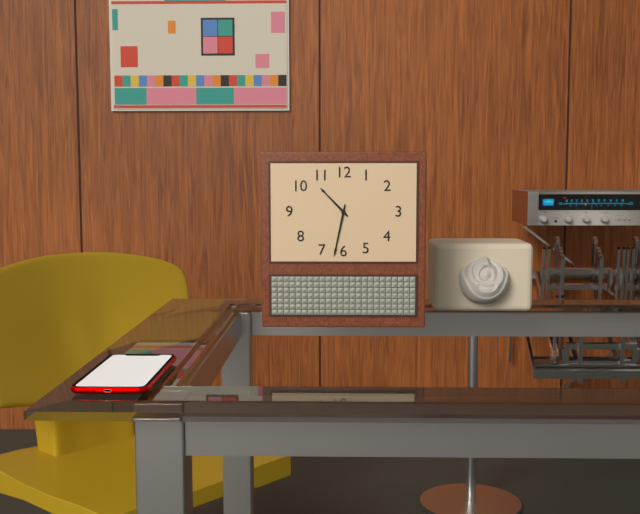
10:32
